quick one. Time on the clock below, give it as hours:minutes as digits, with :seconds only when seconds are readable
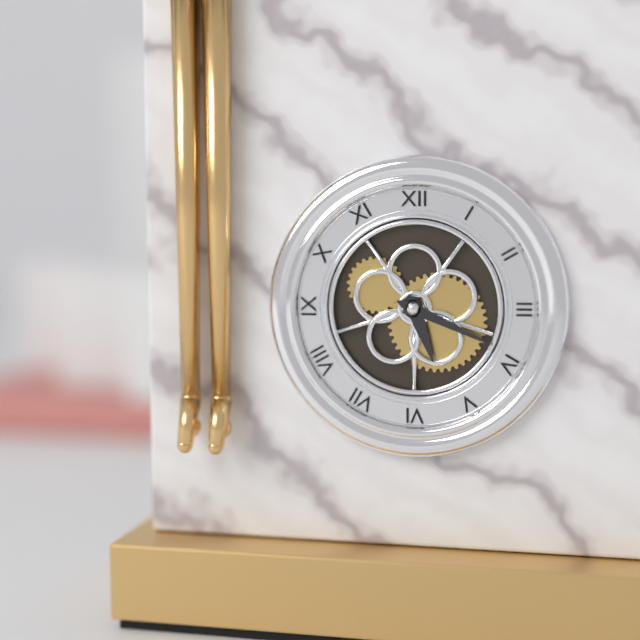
5:19
